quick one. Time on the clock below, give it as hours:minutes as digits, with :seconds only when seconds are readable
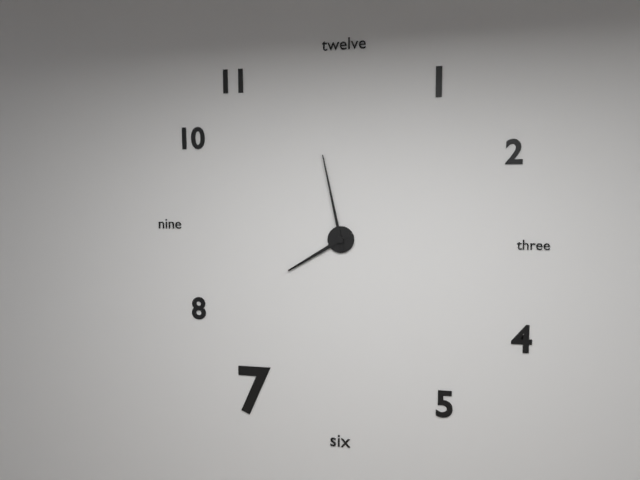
7:58
